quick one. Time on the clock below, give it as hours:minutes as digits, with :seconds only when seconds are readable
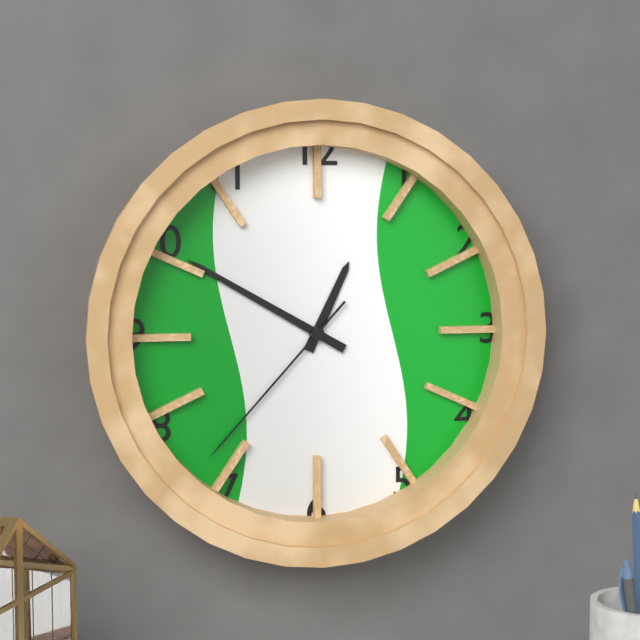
12:50:37
